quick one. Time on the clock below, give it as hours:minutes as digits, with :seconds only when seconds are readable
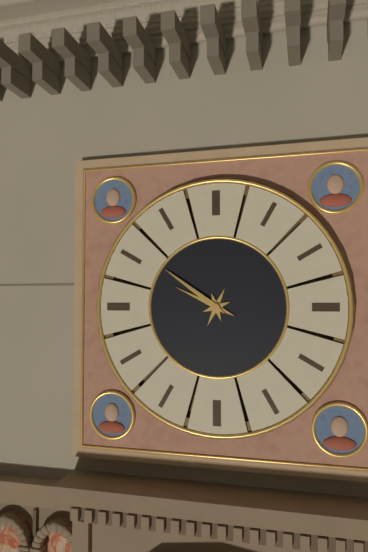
9:51
